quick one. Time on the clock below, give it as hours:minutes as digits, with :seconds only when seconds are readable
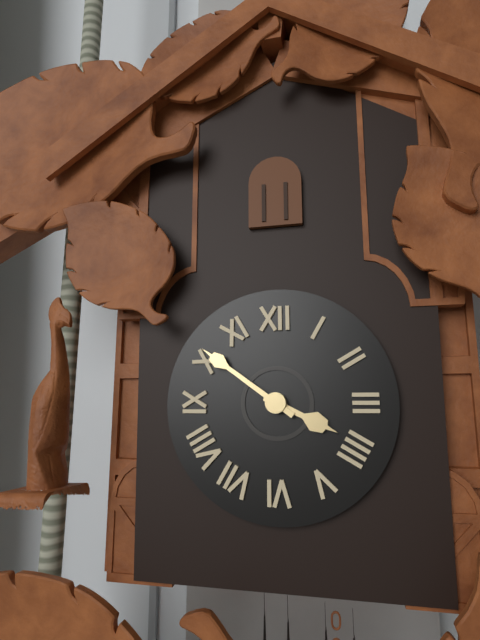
3:51
